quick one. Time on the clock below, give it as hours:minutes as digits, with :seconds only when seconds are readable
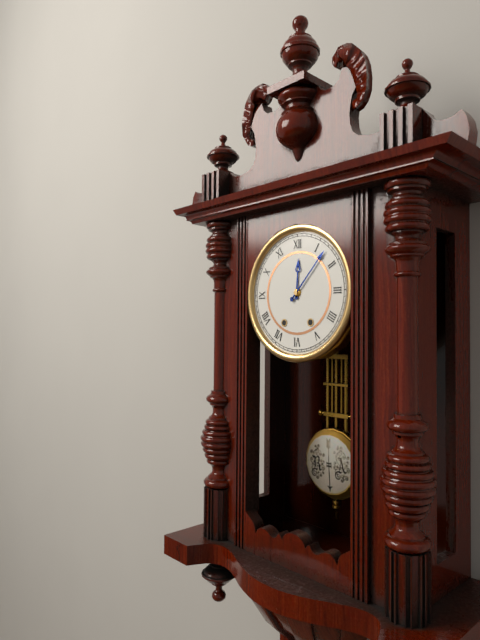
12:07
